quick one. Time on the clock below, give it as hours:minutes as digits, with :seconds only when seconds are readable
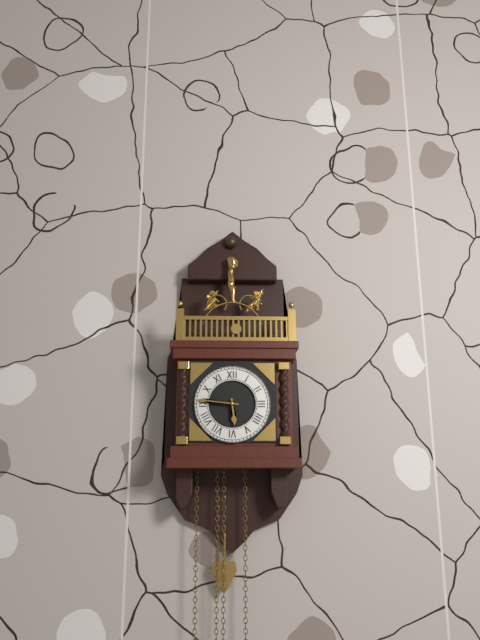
5:46
